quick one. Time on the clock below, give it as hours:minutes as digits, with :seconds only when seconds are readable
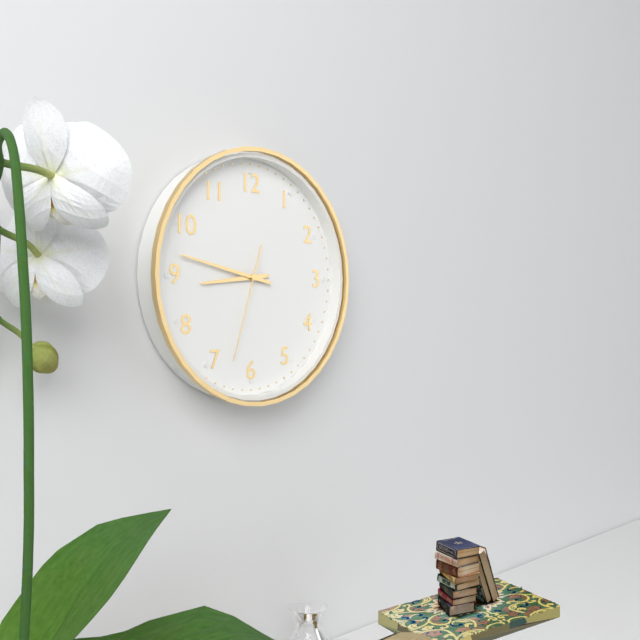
8:47:33
